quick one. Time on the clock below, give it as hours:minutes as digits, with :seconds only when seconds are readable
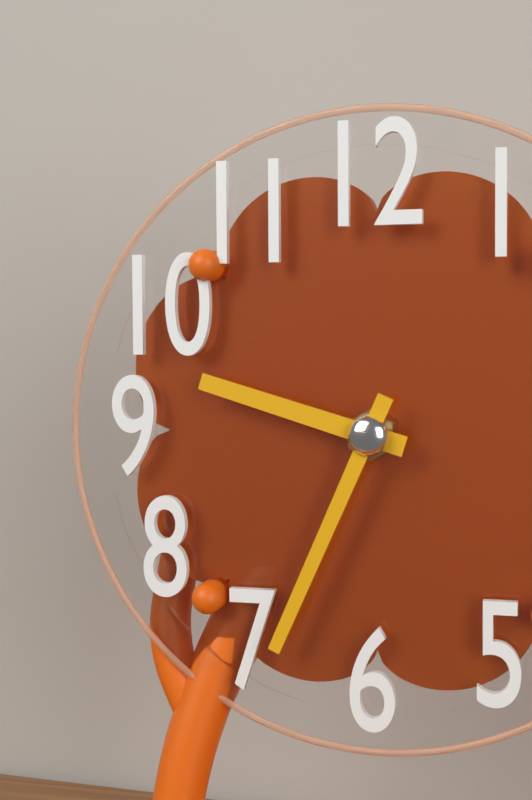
9:34
